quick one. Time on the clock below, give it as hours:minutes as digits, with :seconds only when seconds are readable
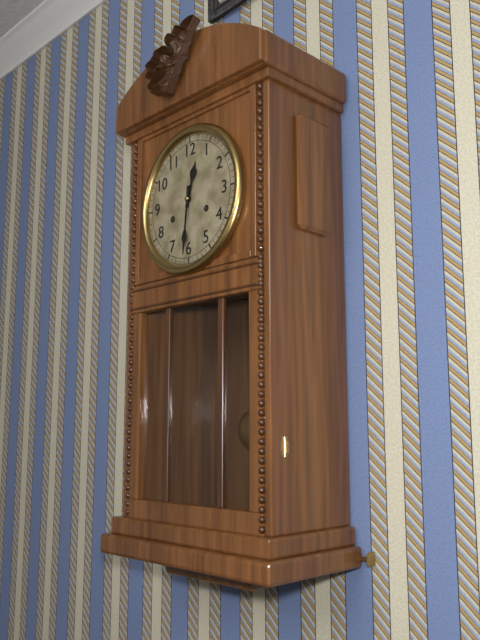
12:31
